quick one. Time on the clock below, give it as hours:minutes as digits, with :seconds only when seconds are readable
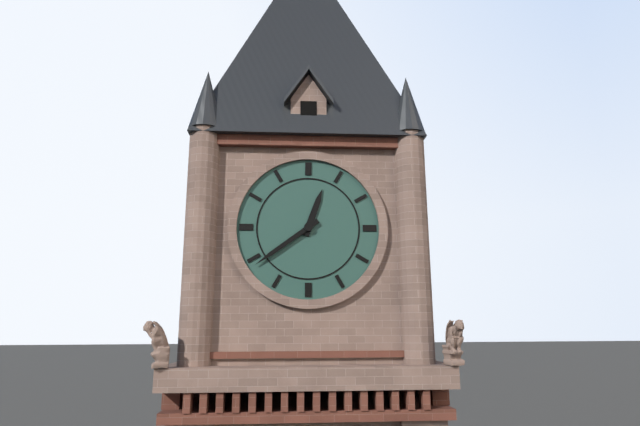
12:39
